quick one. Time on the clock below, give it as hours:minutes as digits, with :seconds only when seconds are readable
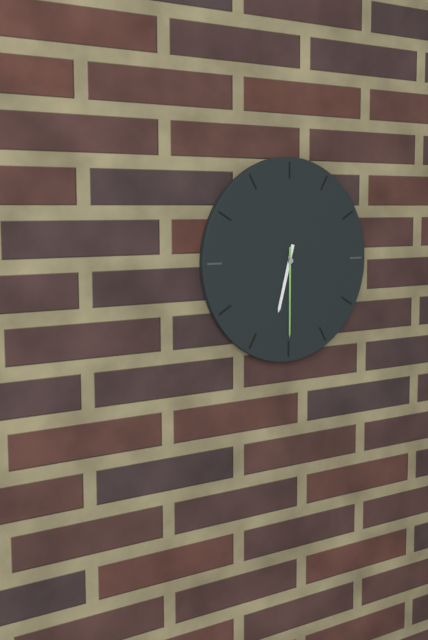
6:30
